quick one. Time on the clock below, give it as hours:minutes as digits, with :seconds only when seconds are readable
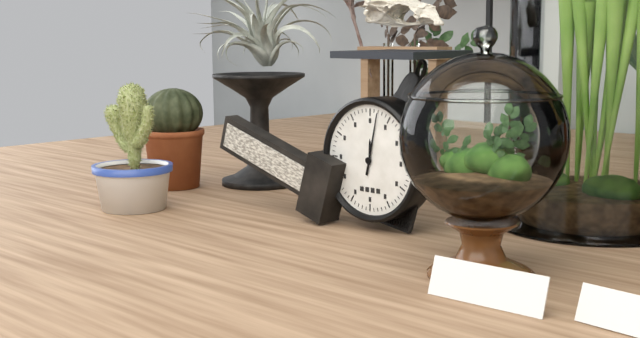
12:02
